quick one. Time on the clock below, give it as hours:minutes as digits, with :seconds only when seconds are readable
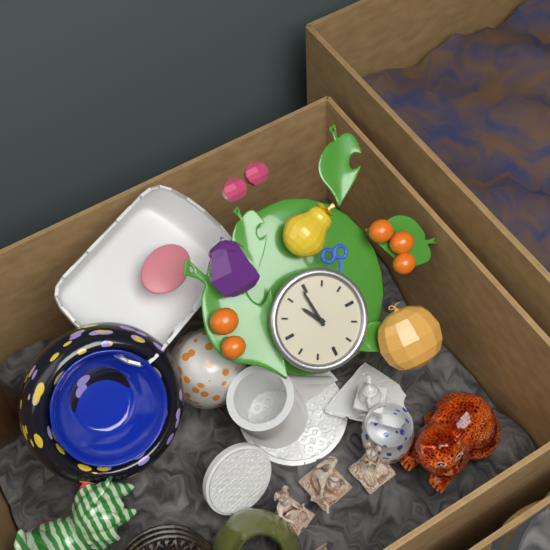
10:59
